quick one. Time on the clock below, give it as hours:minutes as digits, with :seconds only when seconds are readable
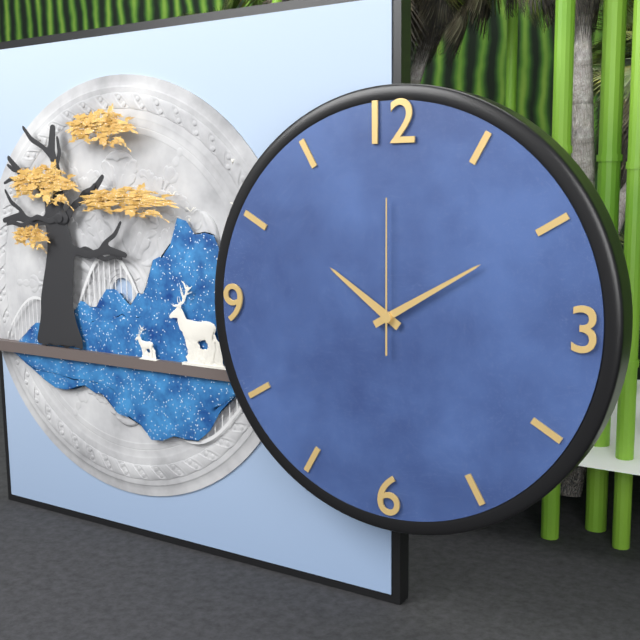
10:10:00
